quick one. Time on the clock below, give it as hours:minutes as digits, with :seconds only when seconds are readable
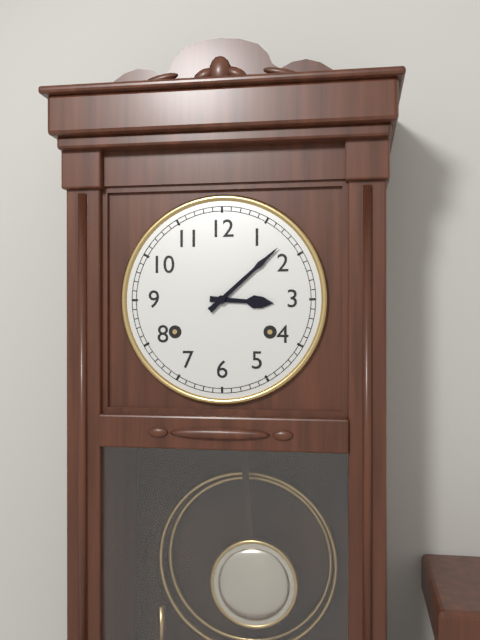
3:08
